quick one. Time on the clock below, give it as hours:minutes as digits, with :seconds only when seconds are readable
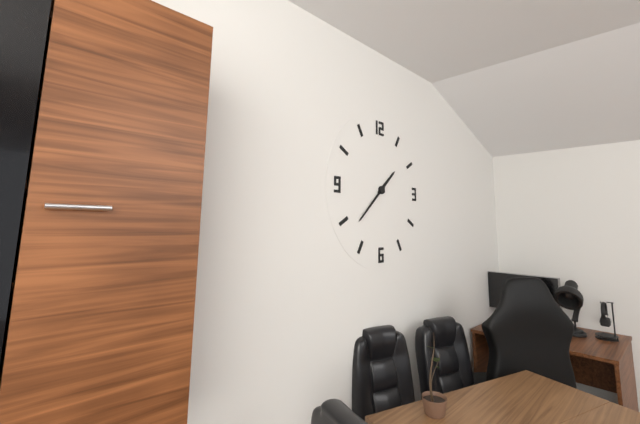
1:38
